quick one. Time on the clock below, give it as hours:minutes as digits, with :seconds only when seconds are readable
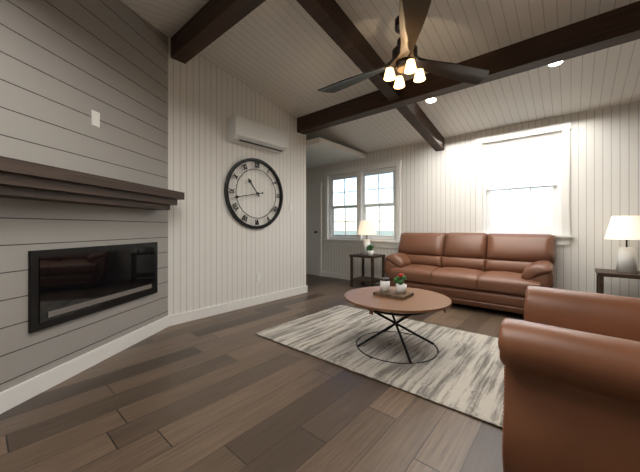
10:43
